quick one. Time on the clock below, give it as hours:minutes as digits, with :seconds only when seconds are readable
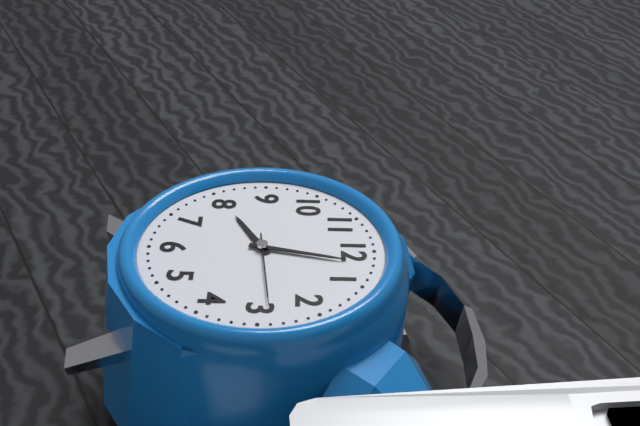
8:02:14
